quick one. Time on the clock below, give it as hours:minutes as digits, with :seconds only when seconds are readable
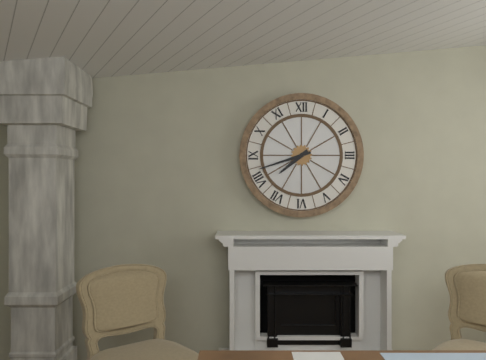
7:42
